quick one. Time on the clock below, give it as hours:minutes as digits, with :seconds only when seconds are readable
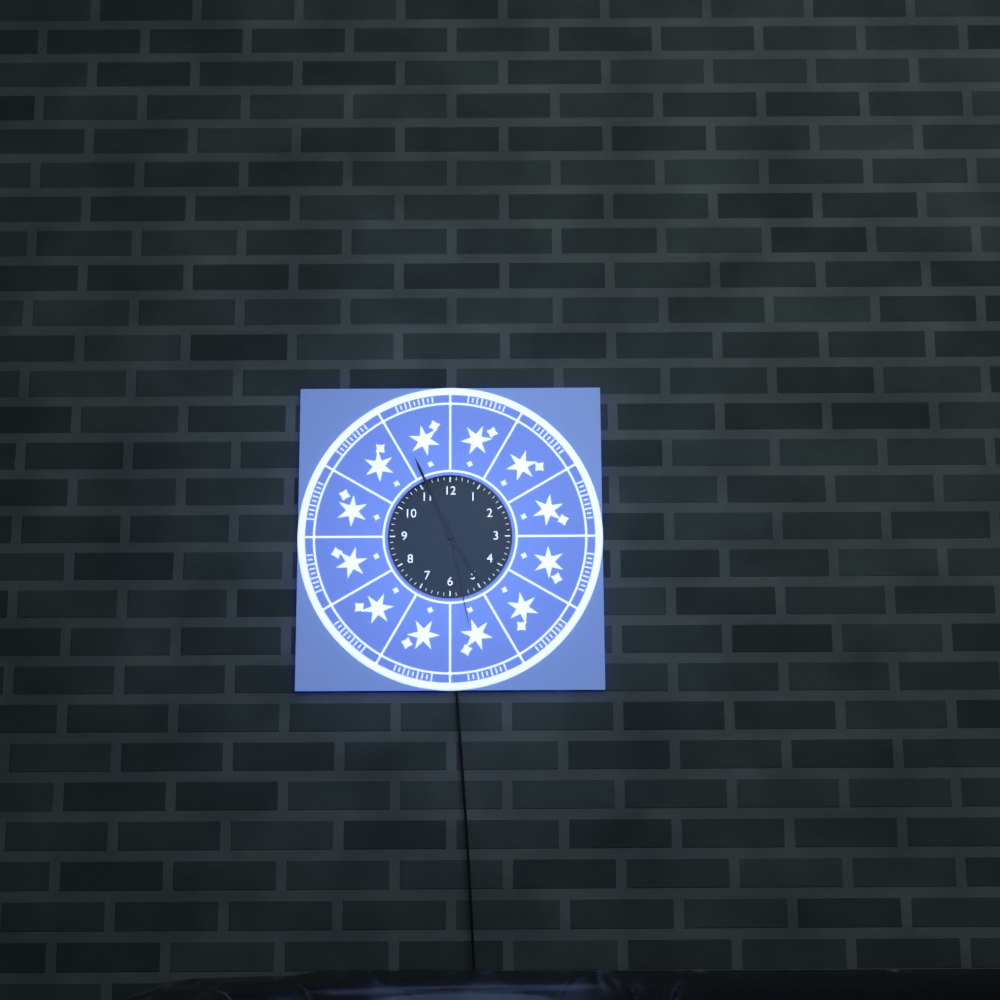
4:56:28
